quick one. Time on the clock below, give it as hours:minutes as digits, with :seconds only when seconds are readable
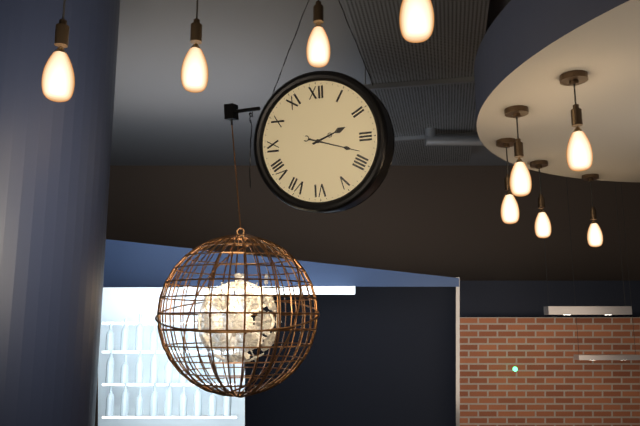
2:18
